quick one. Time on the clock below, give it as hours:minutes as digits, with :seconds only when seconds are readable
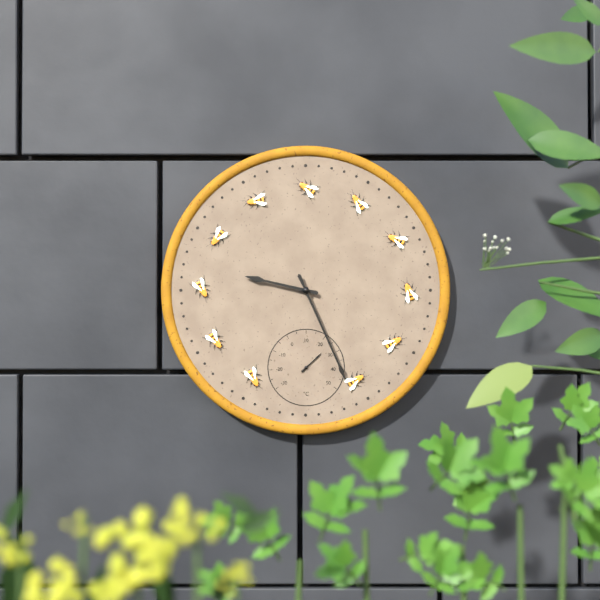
9:26
